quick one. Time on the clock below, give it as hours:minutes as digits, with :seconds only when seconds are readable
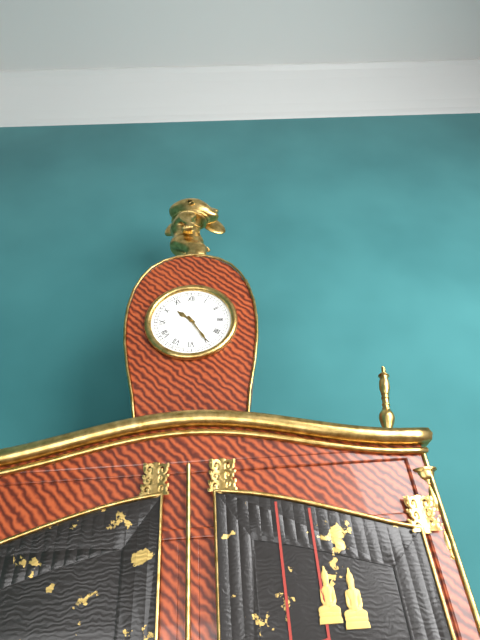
10:25
